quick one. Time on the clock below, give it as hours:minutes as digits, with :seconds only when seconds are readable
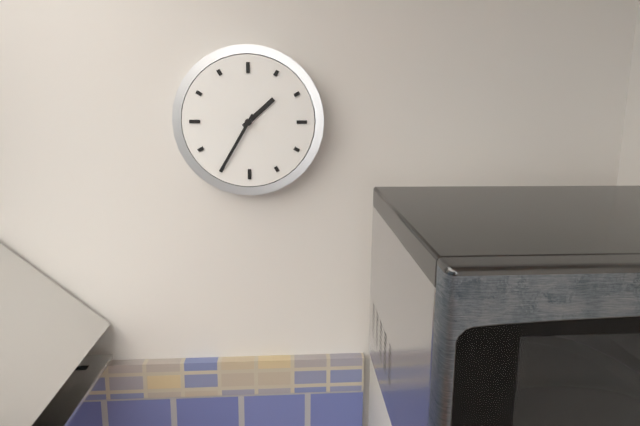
1:35
